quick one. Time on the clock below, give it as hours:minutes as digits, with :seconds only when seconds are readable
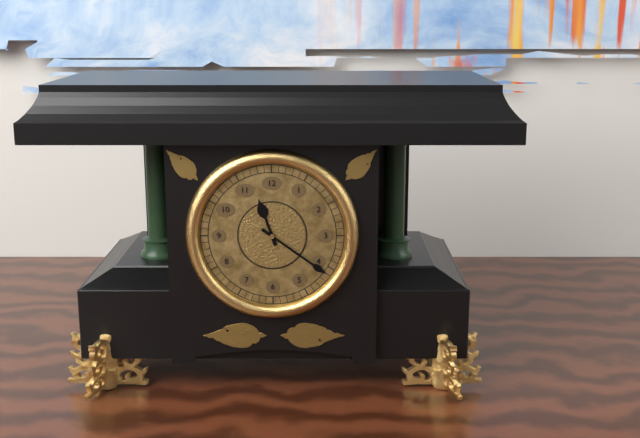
11:21
